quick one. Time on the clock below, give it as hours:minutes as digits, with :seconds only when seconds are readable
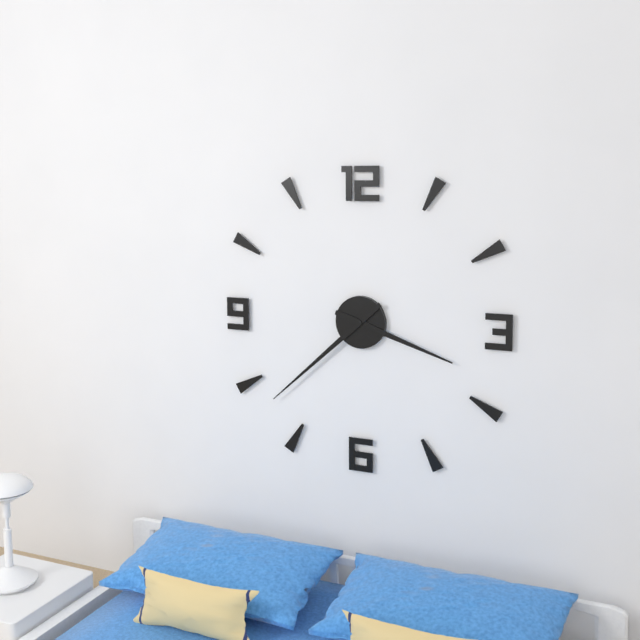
3:38
